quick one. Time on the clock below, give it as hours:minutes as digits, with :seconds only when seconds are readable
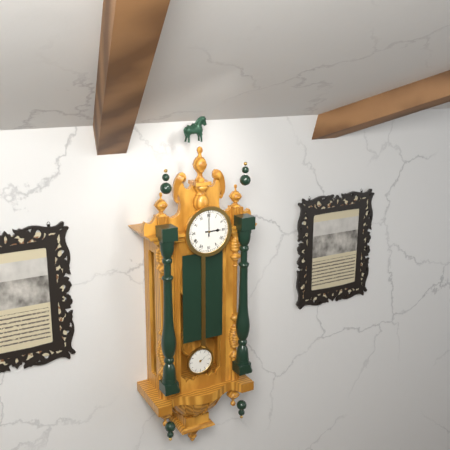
3:00
